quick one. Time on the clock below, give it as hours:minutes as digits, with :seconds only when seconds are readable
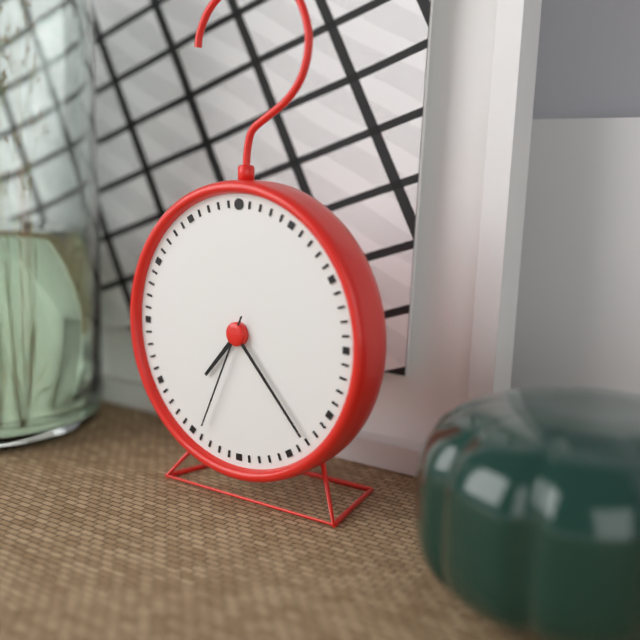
7:23:34
